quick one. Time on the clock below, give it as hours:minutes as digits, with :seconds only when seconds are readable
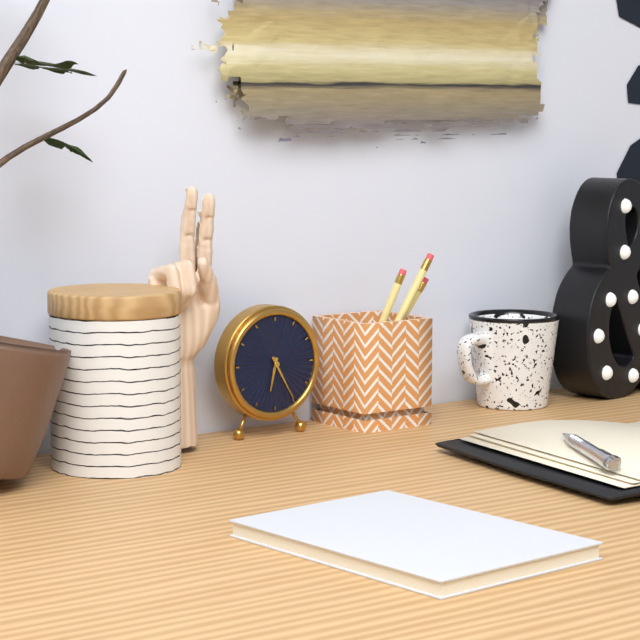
6:25
